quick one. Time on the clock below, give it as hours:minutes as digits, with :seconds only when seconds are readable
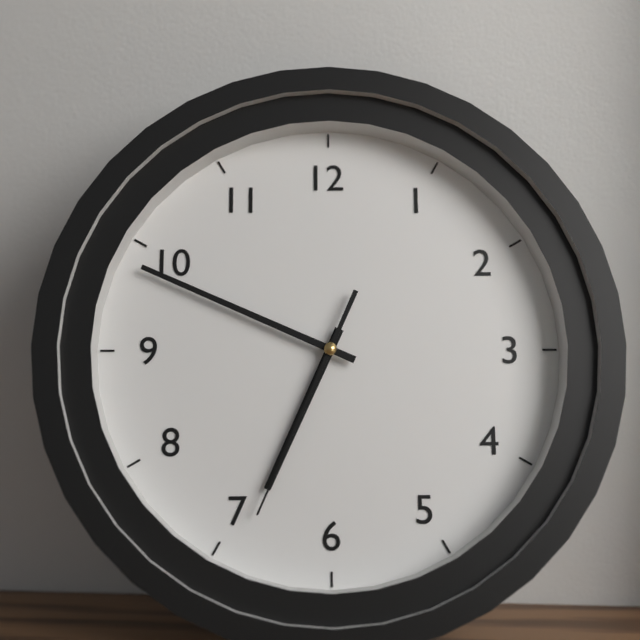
6:49:34
